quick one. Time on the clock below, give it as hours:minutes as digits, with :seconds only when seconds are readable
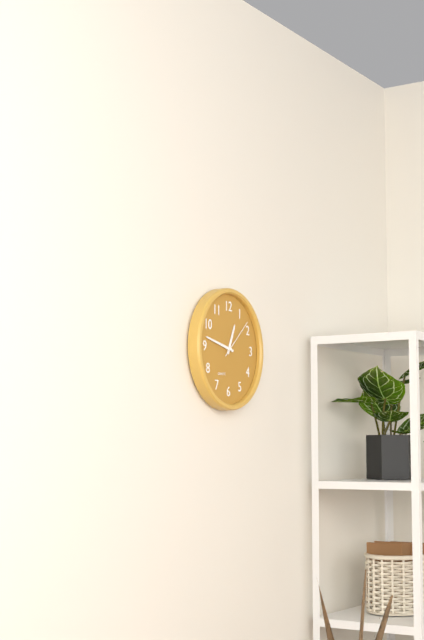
12:47
